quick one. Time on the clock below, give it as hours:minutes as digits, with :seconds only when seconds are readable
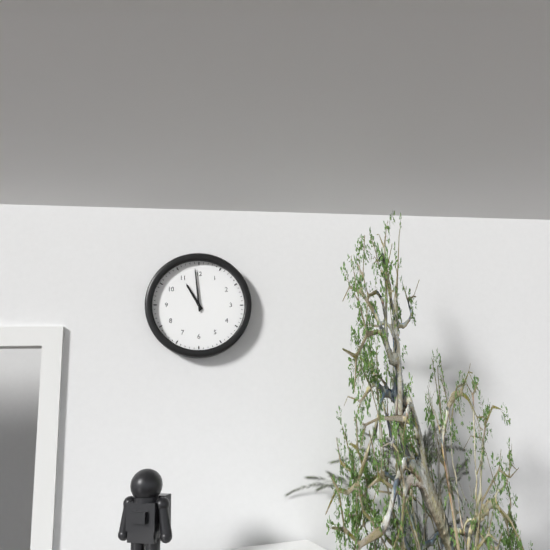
10:59
